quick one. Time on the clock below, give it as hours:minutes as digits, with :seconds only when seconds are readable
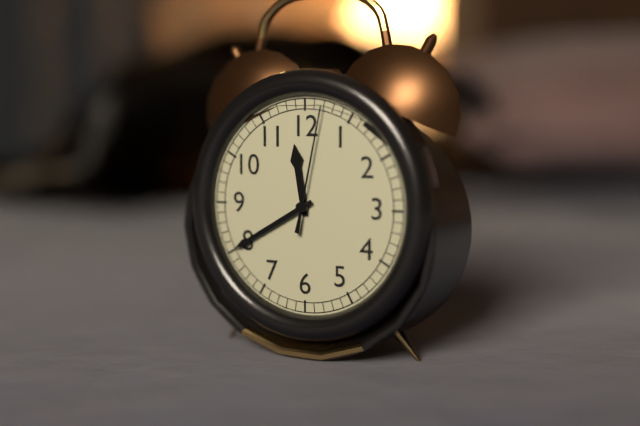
11:40:02
